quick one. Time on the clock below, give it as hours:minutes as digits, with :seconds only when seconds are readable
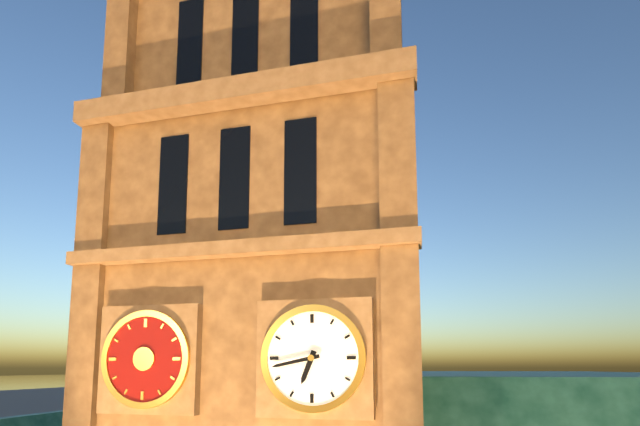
6:43
